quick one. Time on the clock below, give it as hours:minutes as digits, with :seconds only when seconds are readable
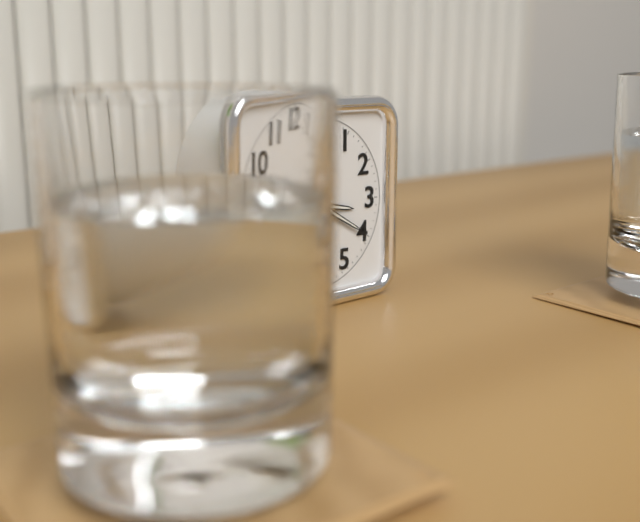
3:20:39
